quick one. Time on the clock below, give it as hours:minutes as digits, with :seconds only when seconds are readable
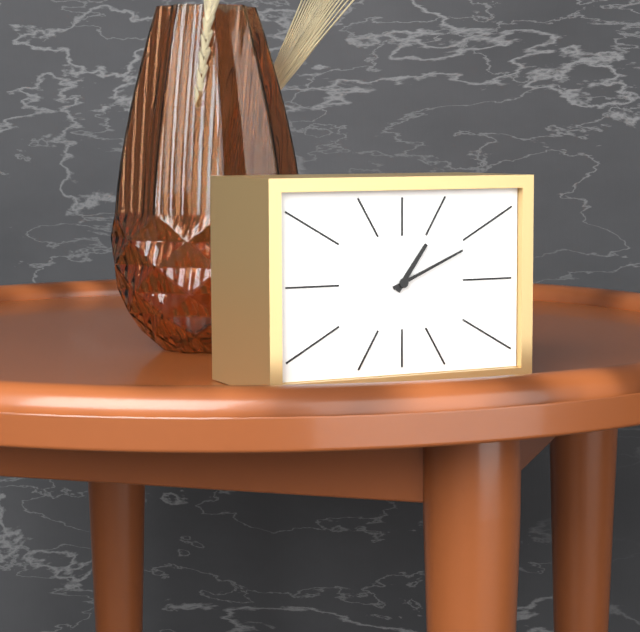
1:11
